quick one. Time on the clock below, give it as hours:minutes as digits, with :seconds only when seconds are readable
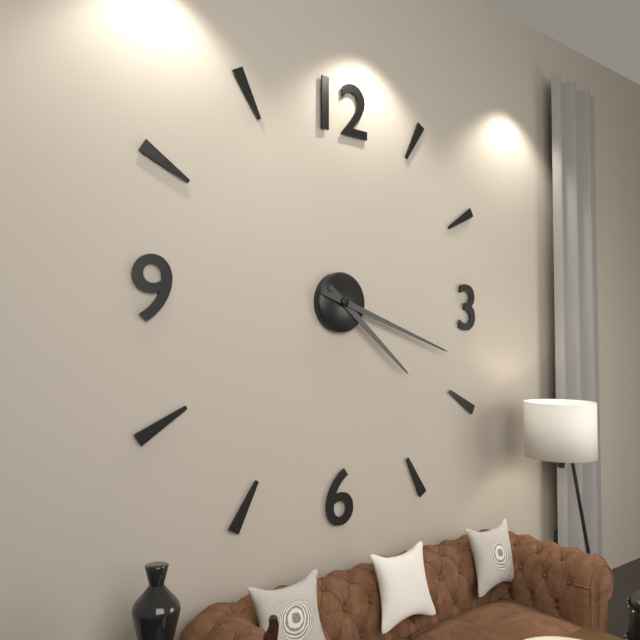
4:18
